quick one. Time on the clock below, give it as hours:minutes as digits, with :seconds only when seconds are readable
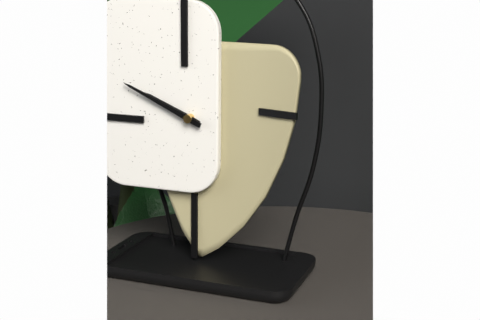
9:49
